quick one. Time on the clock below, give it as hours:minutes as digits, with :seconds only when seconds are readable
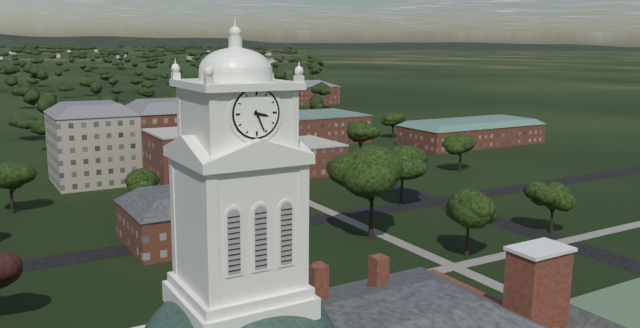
3:26
